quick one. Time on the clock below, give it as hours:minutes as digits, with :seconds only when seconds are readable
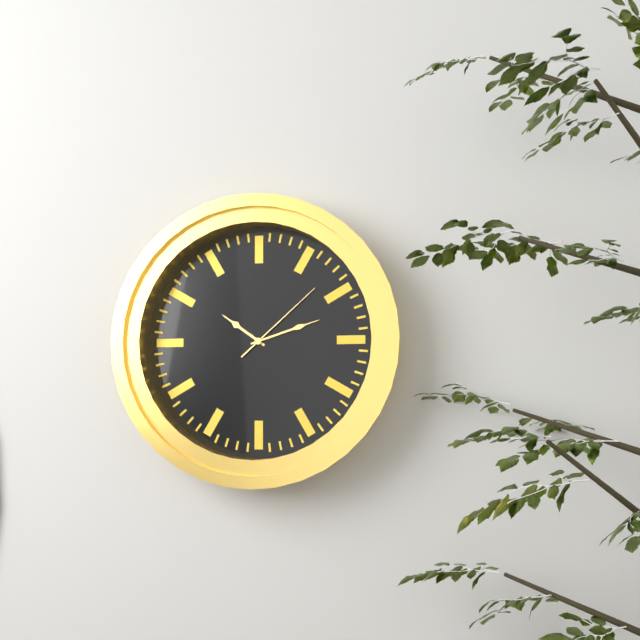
10:12:08
